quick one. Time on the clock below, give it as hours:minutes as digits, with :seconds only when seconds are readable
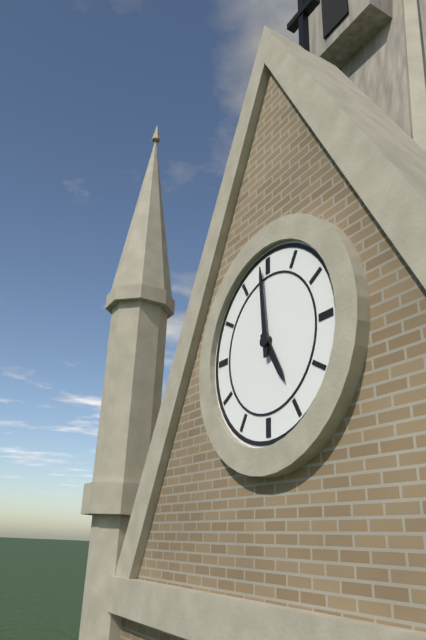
4:59
